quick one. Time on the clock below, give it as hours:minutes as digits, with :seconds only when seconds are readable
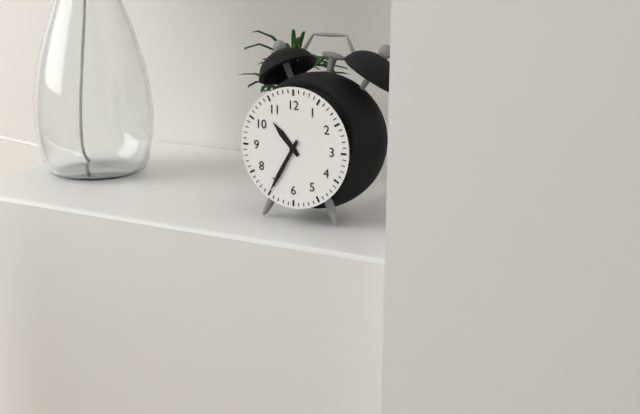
10:35
